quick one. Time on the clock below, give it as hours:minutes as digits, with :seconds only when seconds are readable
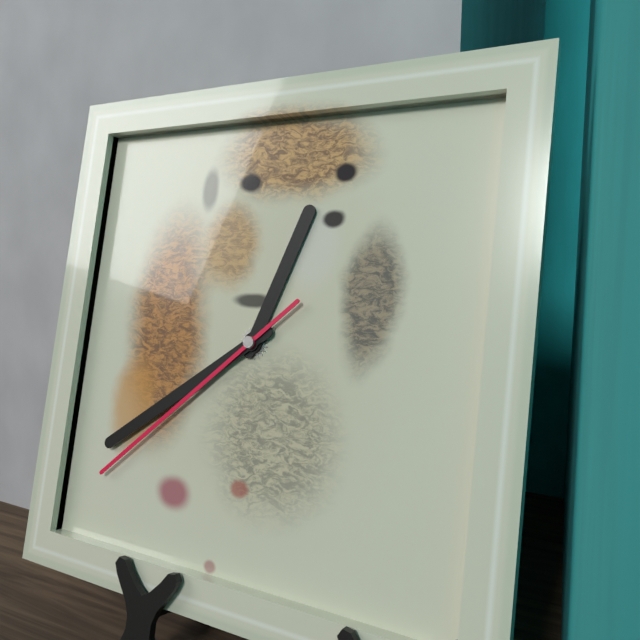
12:39:38
